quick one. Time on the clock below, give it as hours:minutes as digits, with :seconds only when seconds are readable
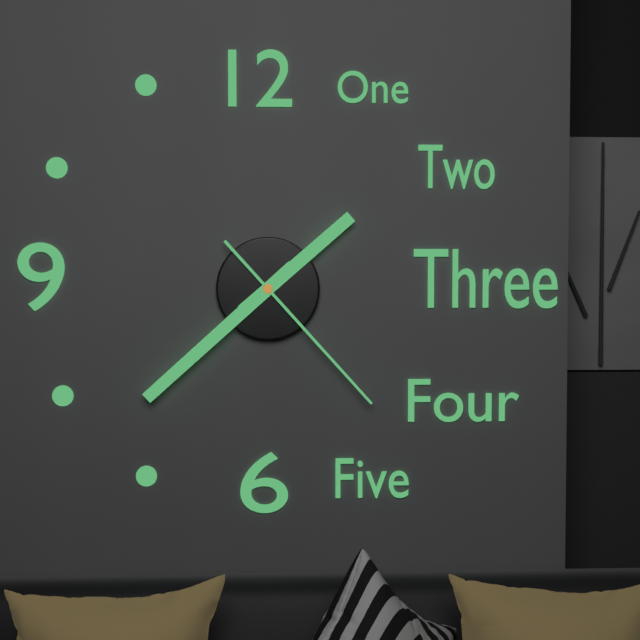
1:38:23
